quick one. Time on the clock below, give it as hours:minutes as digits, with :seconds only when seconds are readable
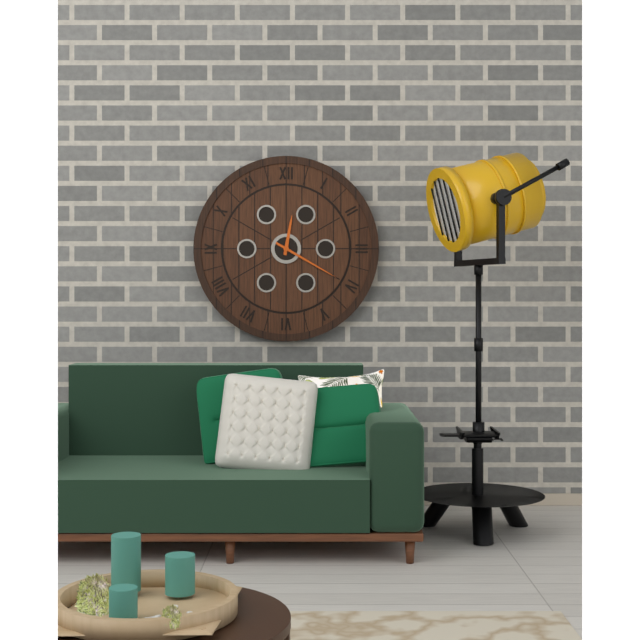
12:20
